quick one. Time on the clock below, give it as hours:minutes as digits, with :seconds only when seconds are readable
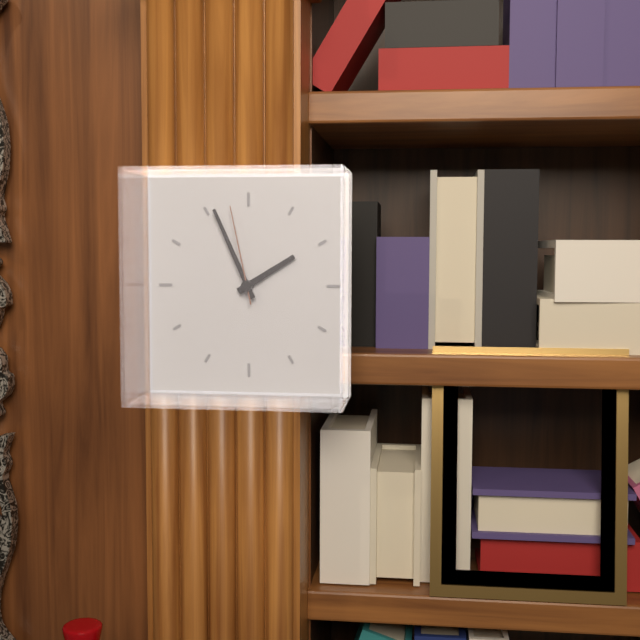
1:56:58
